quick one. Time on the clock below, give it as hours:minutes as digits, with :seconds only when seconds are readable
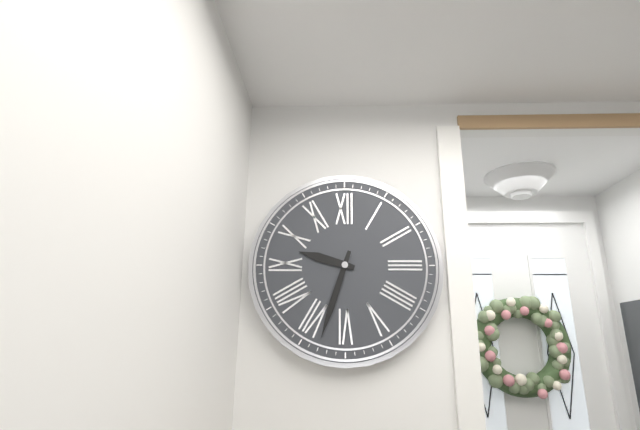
9:33
